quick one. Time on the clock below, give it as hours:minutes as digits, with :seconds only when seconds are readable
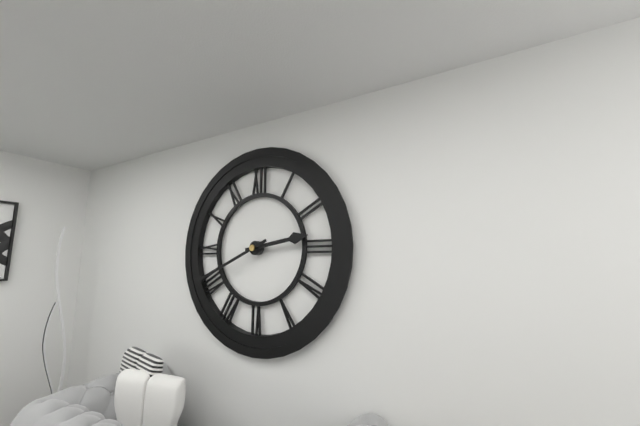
2:41
